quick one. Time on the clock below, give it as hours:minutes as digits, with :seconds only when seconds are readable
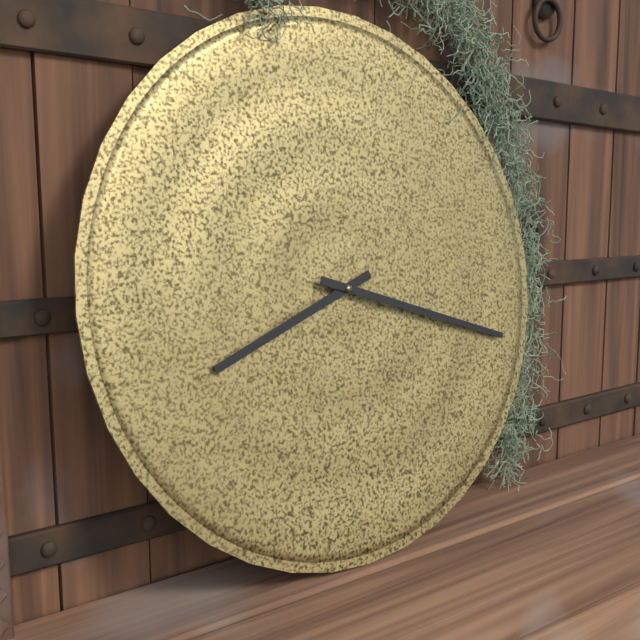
8:18
